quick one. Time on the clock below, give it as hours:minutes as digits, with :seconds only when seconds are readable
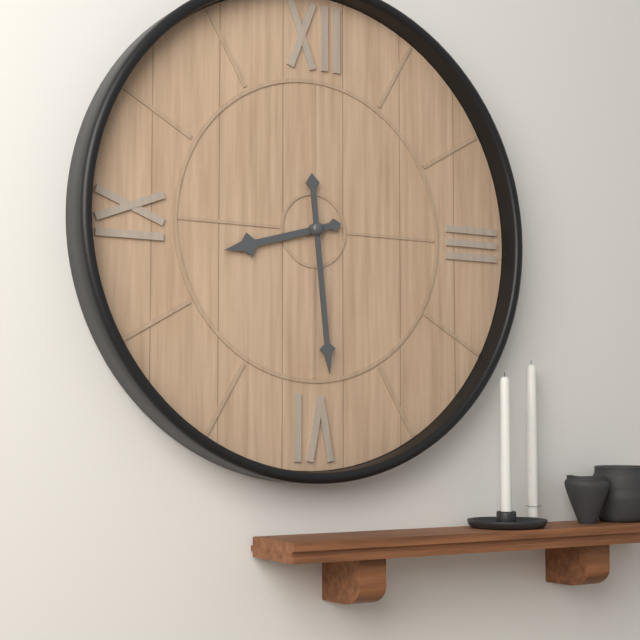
8:29
